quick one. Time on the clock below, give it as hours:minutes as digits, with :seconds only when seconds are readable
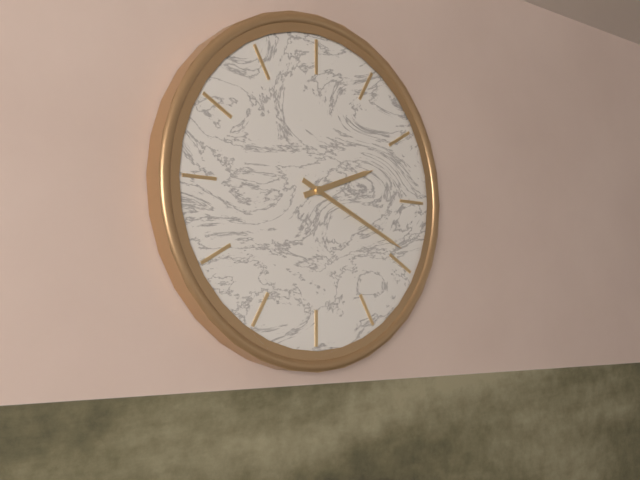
2:19
